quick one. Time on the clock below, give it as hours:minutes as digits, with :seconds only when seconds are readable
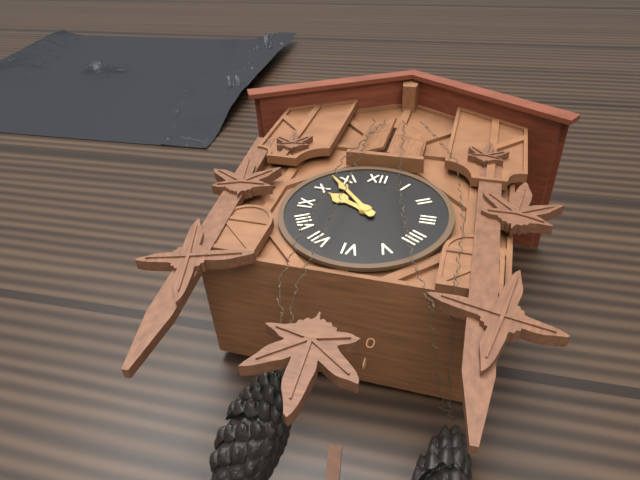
9:53
